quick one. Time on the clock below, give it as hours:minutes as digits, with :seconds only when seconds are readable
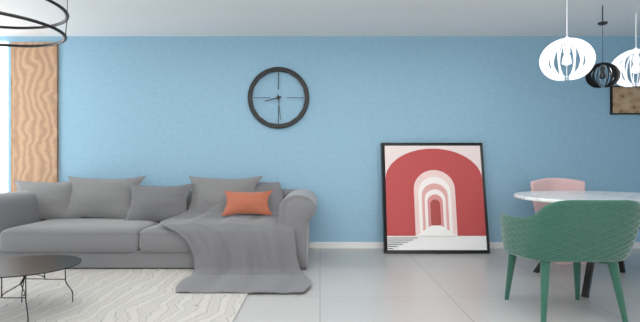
8:29
